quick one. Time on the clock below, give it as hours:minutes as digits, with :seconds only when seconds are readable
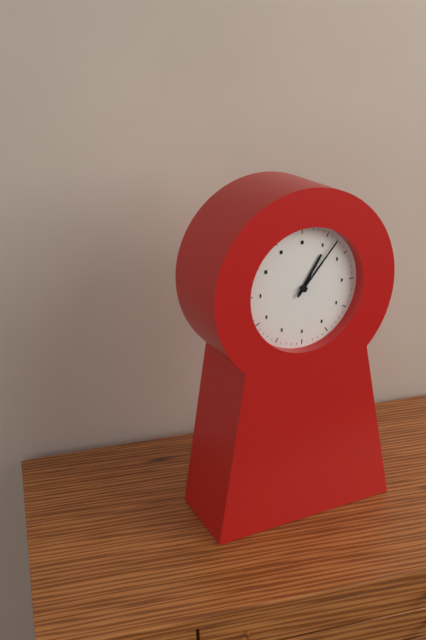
1:07
